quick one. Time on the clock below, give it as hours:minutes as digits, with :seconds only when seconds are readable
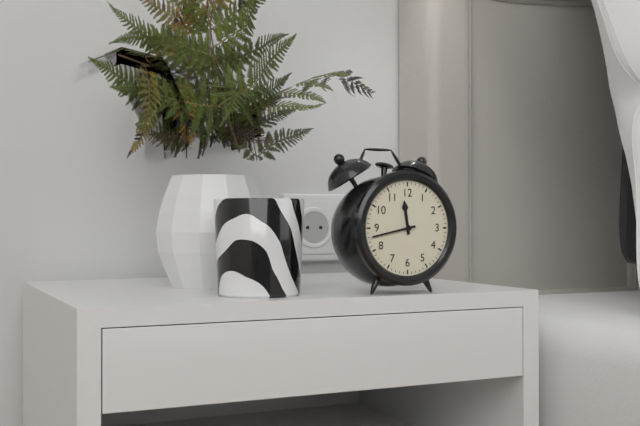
11:43
